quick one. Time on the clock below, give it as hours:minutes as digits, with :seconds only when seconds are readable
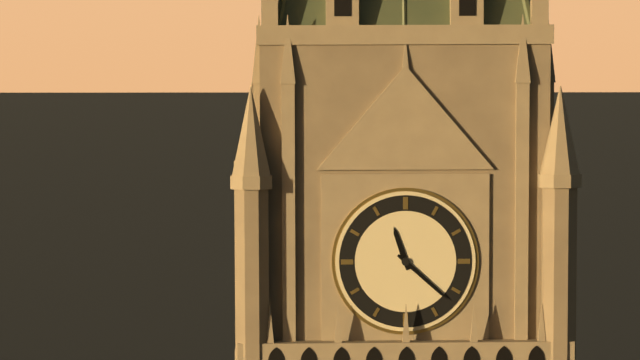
11:22
